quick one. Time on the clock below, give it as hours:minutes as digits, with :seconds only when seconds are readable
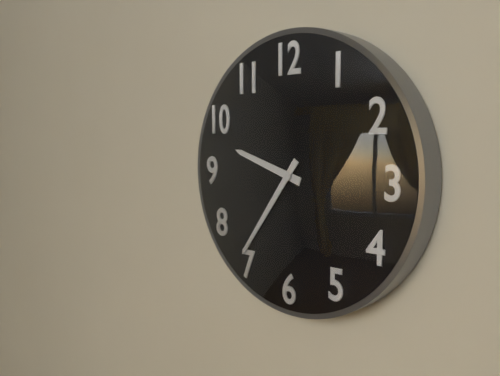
9:36
